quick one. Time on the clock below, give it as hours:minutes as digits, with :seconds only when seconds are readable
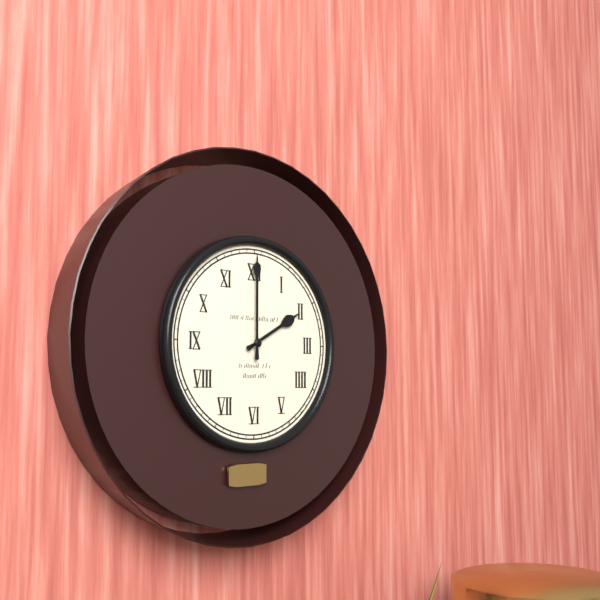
2:00
